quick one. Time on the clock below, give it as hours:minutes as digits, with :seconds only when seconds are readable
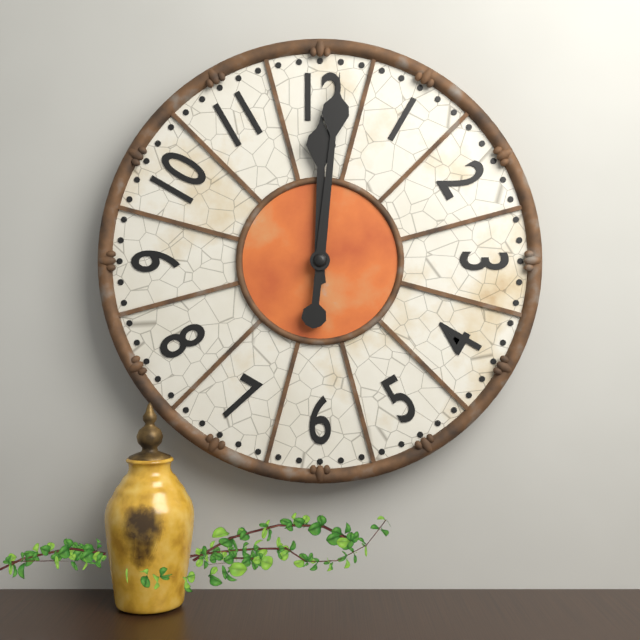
12:01
